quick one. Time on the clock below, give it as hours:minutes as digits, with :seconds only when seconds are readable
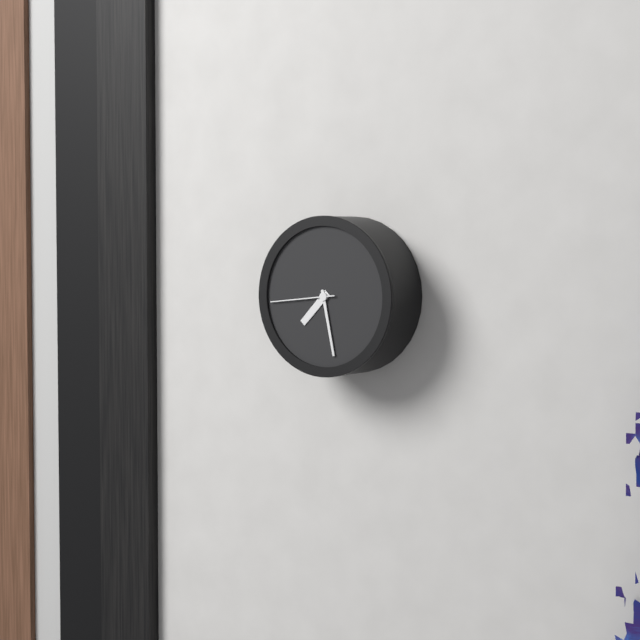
7:28:44
